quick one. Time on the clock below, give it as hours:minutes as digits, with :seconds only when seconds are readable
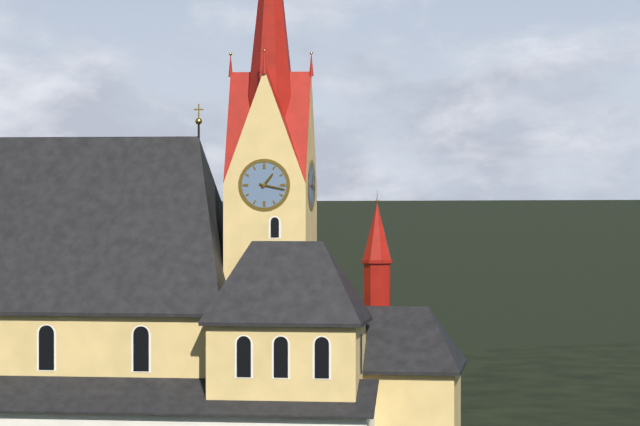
1:17
